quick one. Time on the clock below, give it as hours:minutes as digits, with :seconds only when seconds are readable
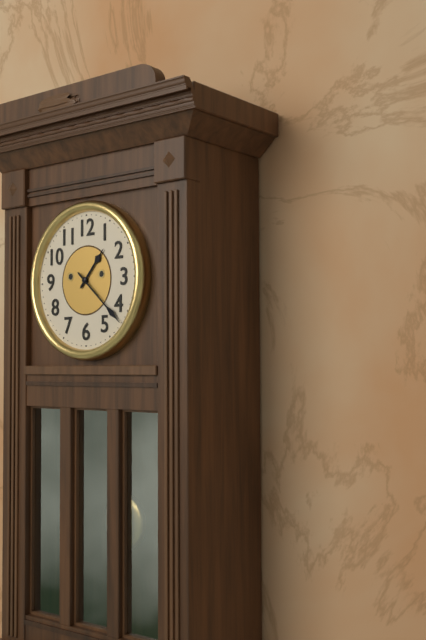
1:22
